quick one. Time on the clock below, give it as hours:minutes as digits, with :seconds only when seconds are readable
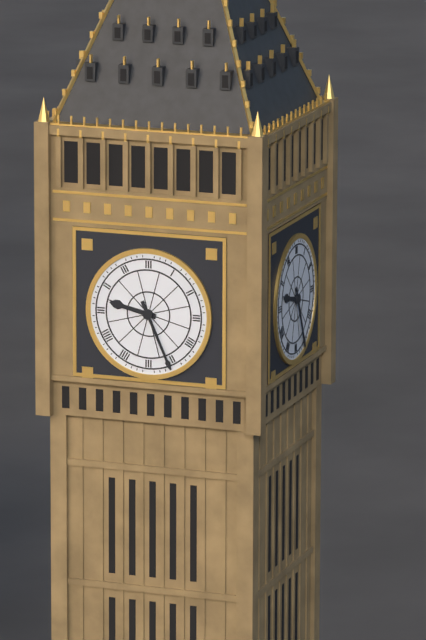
9:26
